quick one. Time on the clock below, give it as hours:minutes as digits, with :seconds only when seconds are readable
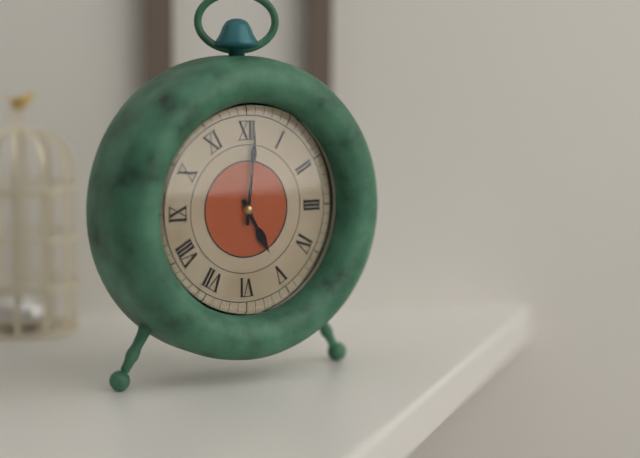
5:01
